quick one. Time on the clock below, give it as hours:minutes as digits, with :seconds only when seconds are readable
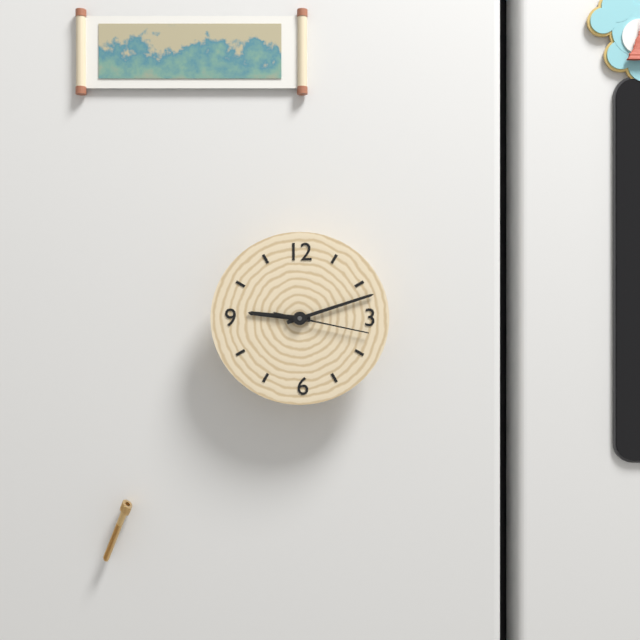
9:12:17
